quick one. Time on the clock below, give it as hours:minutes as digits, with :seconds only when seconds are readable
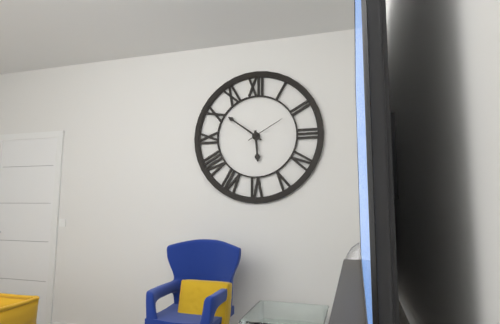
5:51
